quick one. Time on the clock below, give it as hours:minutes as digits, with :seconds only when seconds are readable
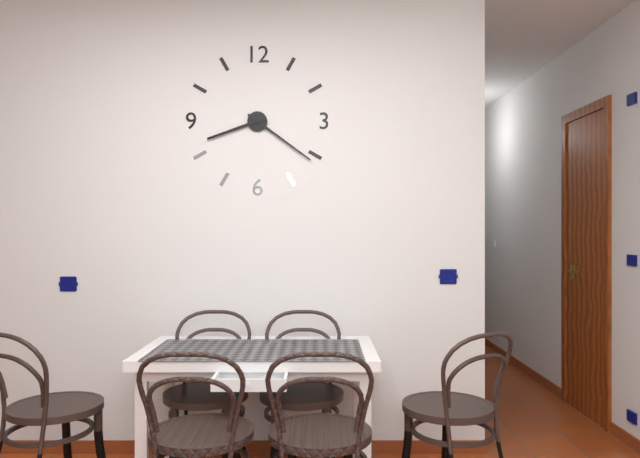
8:21
